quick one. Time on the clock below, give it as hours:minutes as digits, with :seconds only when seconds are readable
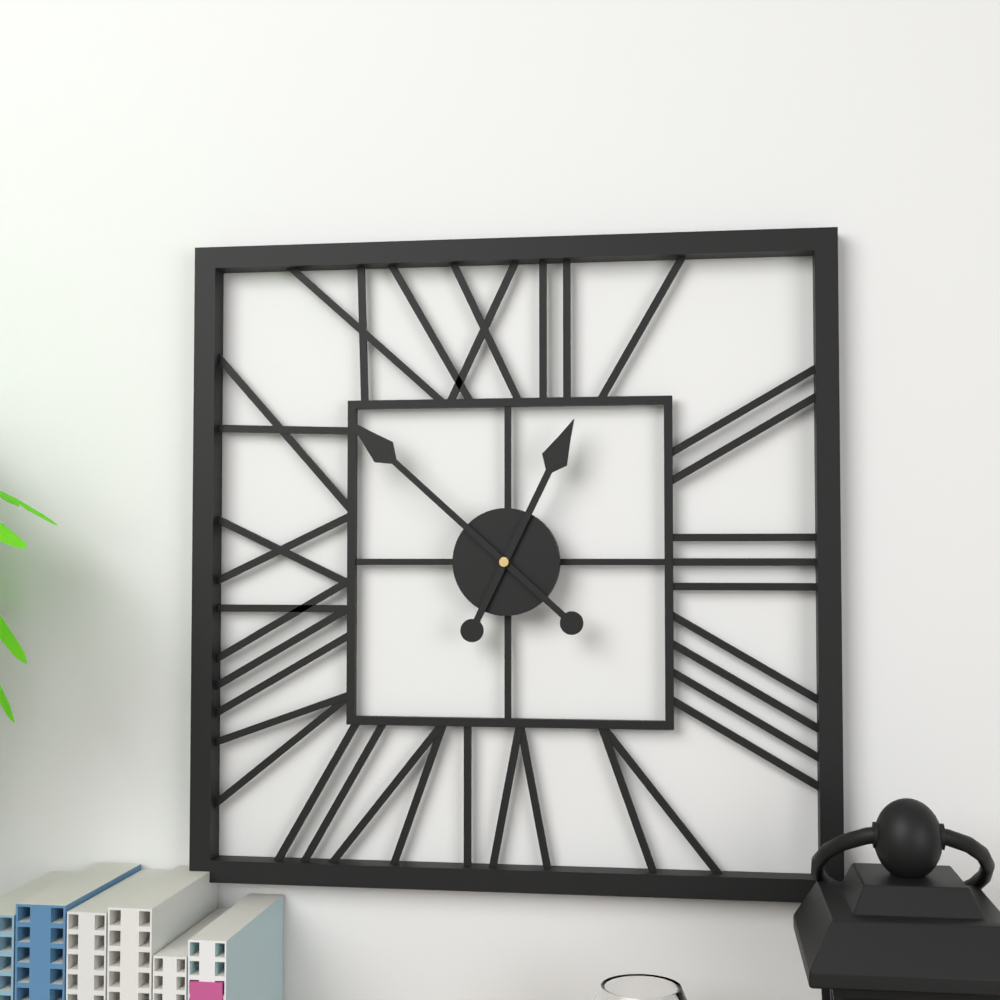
12:52
